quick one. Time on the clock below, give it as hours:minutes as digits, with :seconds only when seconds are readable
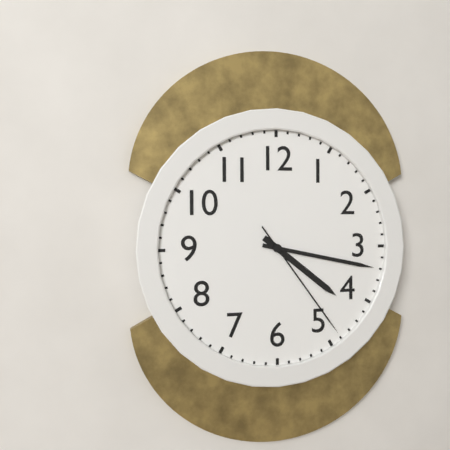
4:17:24
